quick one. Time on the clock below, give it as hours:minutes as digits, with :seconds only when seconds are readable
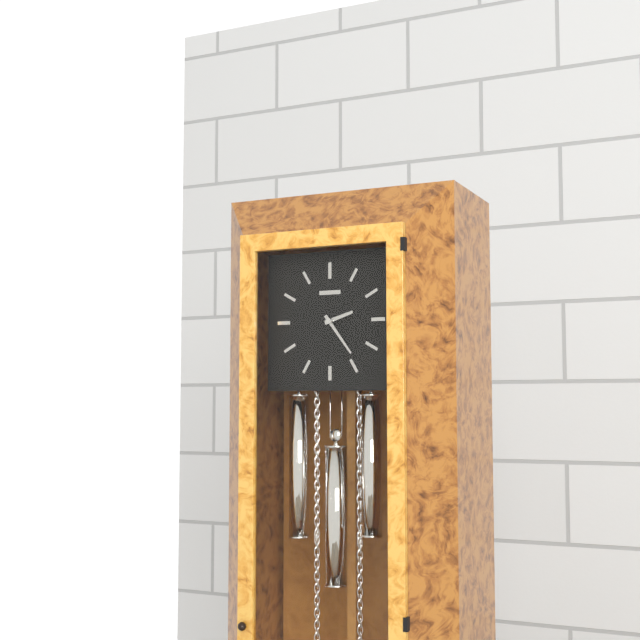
2:24
